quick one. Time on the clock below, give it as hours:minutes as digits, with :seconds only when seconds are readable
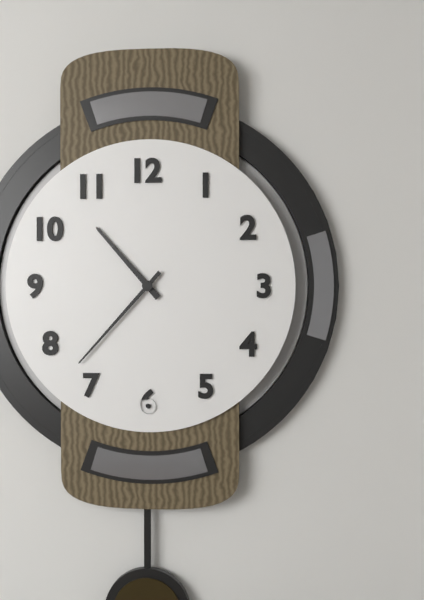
10:37
